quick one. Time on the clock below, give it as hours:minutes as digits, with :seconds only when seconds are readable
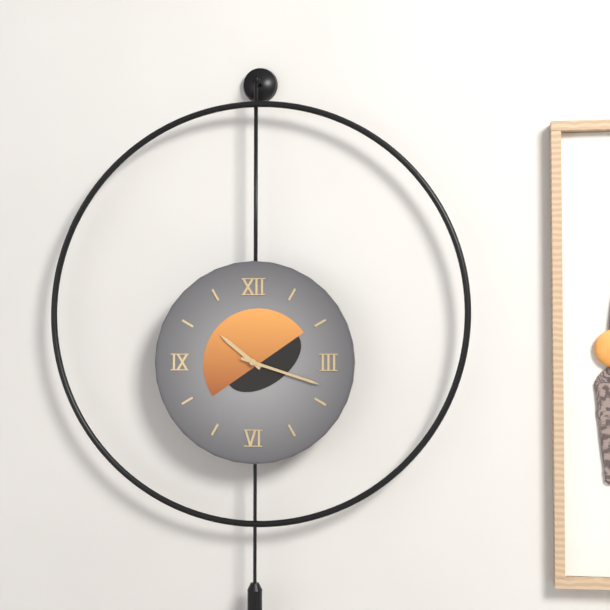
10:18
